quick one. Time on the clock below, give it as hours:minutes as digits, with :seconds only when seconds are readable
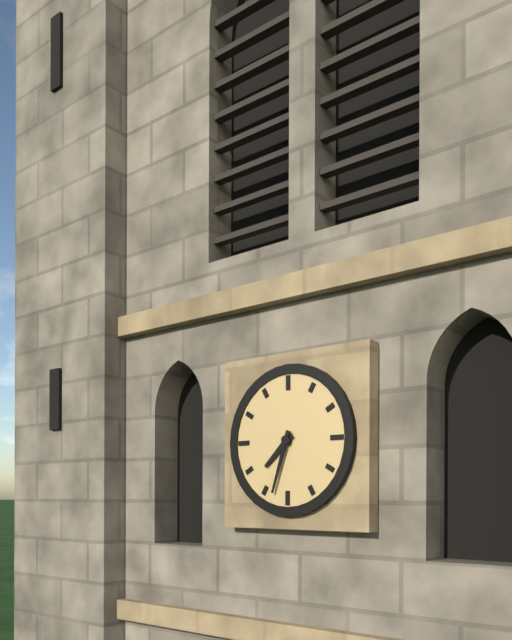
7:33
